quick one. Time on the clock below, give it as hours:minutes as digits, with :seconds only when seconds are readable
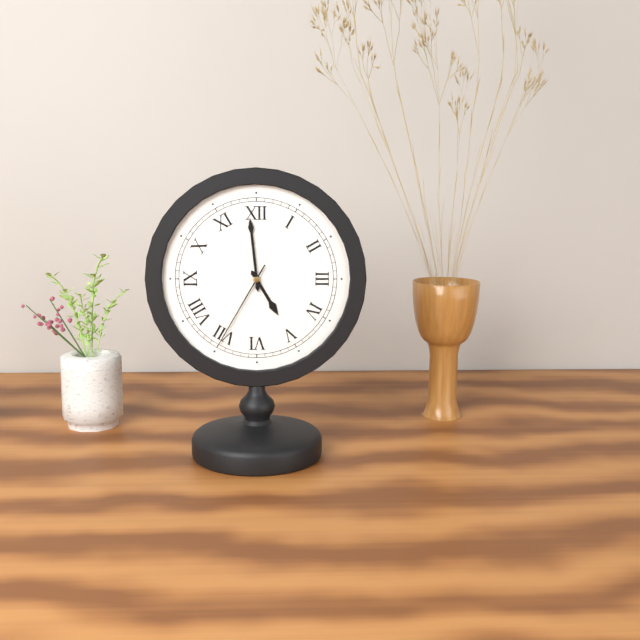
4:59:35
